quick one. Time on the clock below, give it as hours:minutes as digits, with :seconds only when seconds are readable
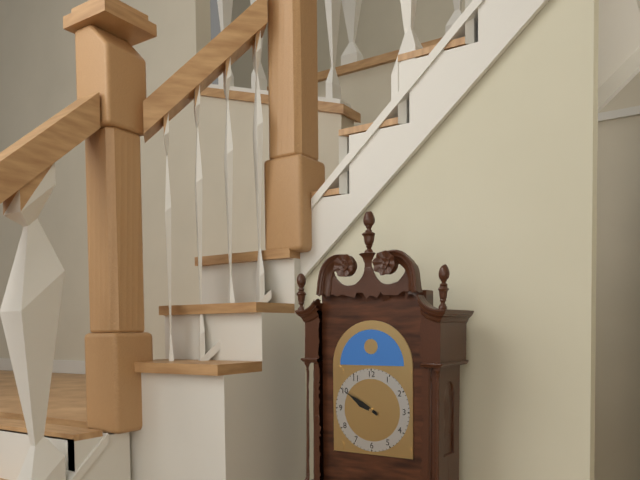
9:50
